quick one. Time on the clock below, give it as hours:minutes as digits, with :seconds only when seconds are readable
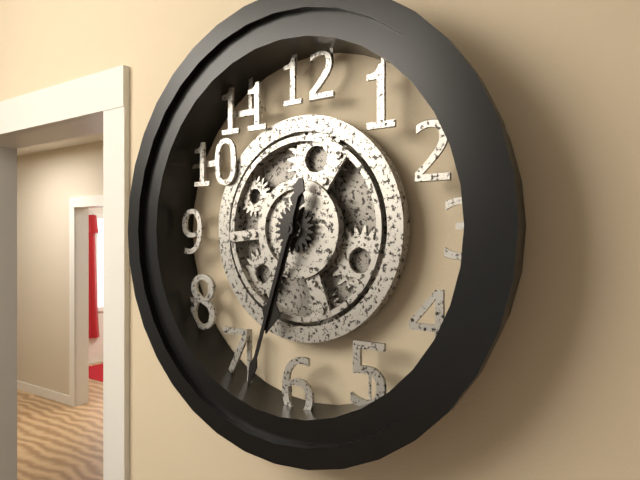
6:33
